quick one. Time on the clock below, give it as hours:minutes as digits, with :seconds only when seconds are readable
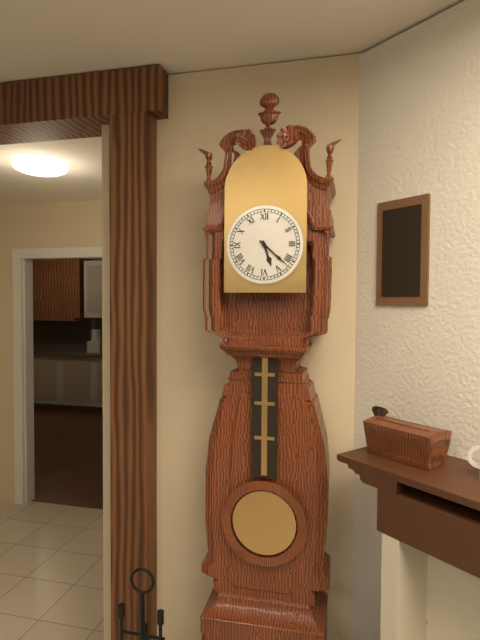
5:22
